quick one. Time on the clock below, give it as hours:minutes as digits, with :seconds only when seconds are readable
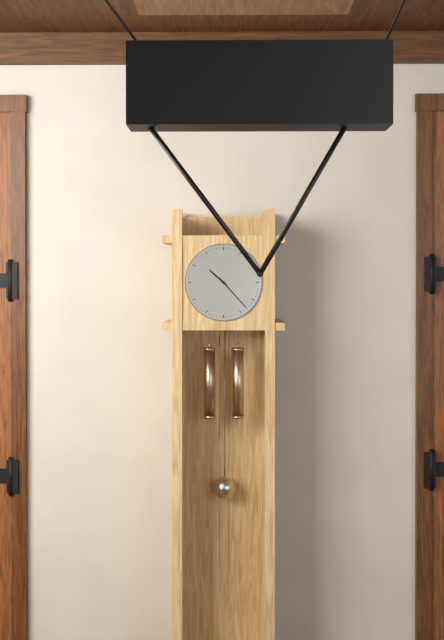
10:23
